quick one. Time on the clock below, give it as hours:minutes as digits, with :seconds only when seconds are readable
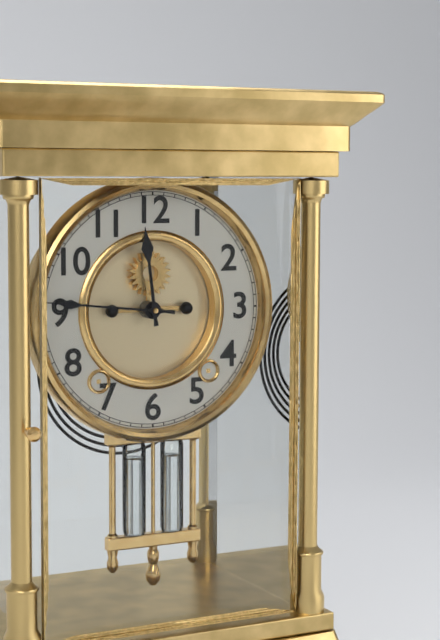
11:46
